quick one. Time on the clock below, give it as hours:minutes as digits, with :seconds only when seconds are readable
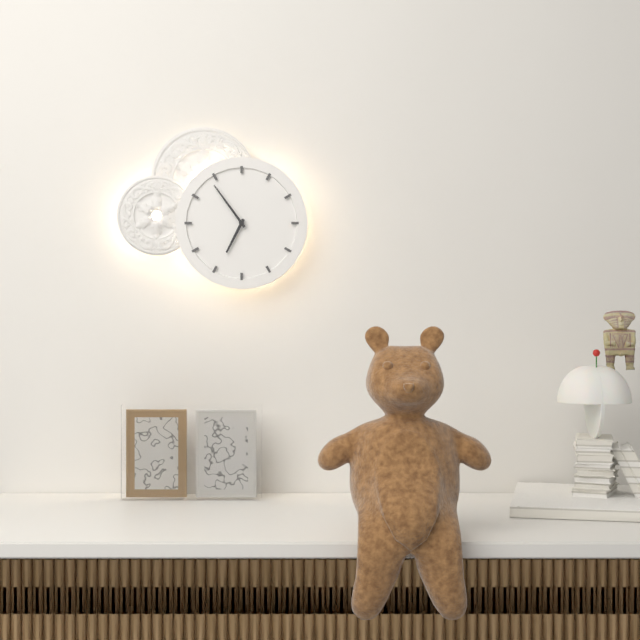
6:54
